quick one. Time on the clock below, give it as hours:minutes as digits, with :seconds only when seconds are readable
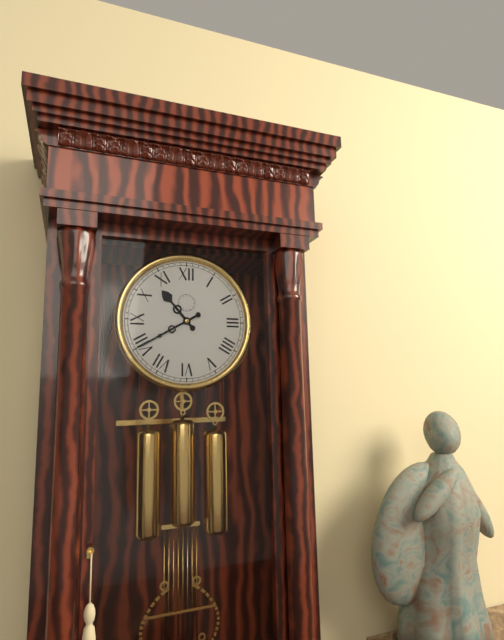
10:40
